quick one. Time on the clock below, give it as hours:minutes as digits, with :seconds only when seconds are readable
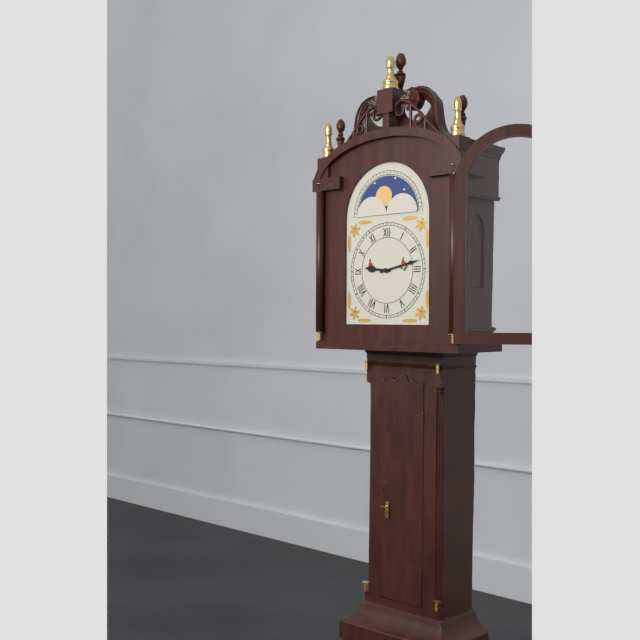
9:13
